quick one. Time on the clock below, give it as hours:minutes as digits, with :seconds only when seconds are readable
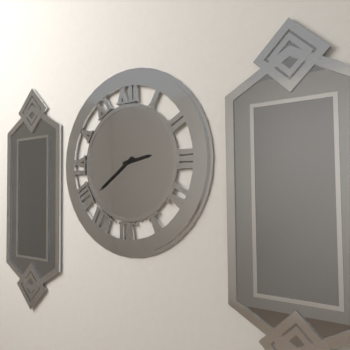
2:39
